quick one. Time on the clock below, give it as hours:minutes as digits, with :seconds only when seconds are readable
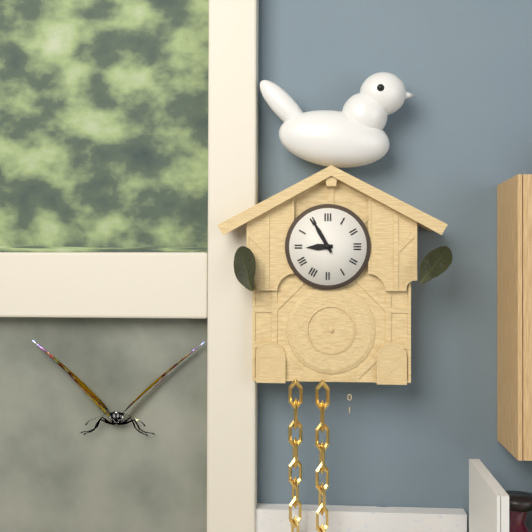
8:55
